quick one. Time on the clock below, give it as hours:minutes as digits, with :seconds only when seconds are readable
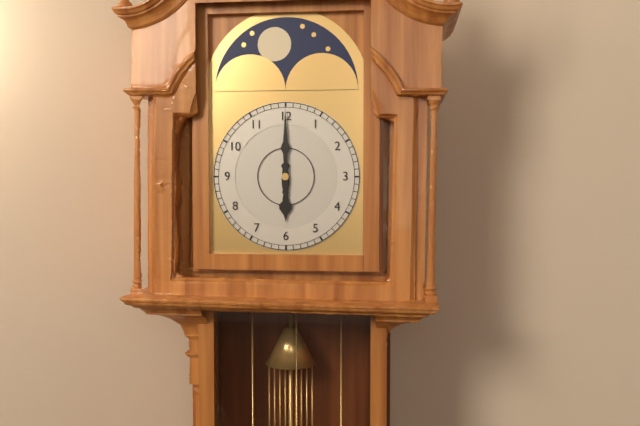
6:00
